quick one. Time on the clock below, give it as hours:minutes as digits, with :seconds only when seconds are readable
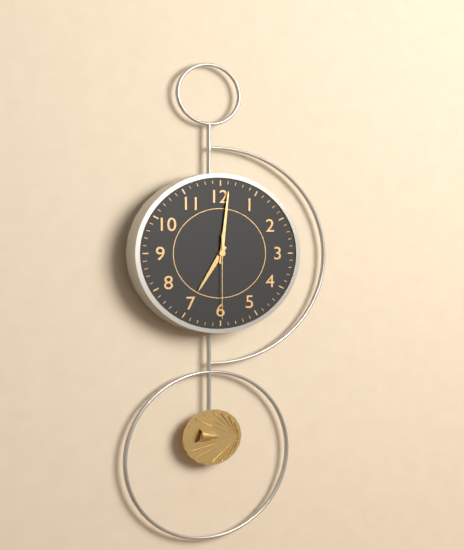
7:01:30
